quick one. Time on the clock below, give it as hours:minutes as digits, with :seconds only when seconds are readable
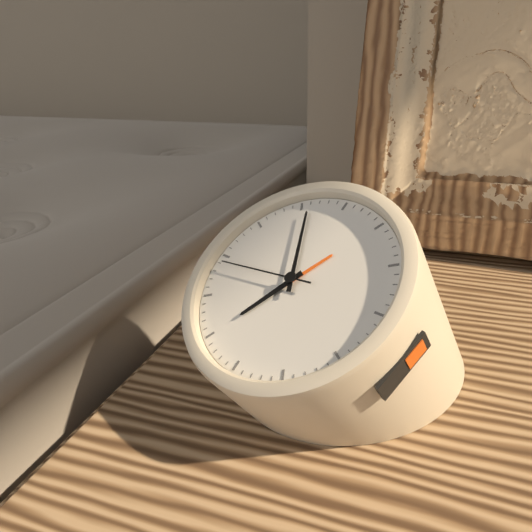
6:56:44
